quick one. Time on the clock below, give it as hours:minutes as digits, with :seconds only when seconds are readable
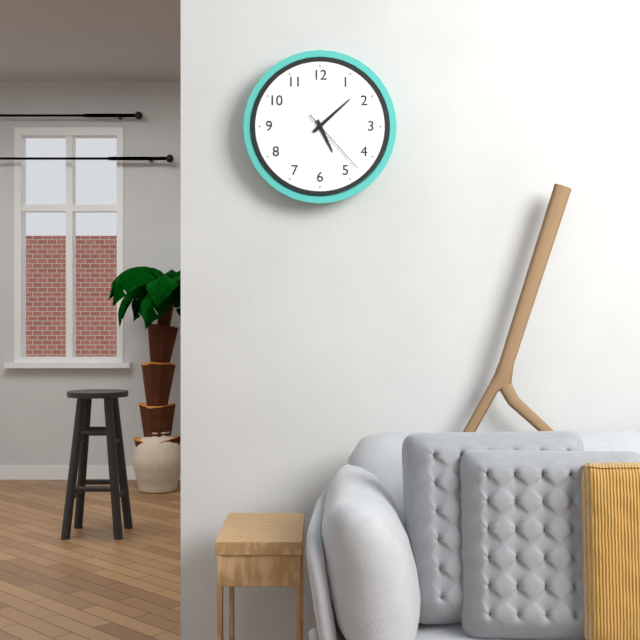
5:08:23
